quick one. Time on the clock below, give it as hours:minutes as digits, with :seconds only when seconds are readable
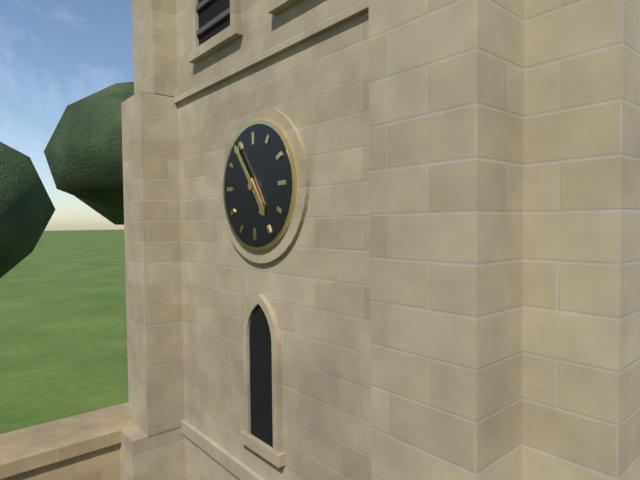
4:54
